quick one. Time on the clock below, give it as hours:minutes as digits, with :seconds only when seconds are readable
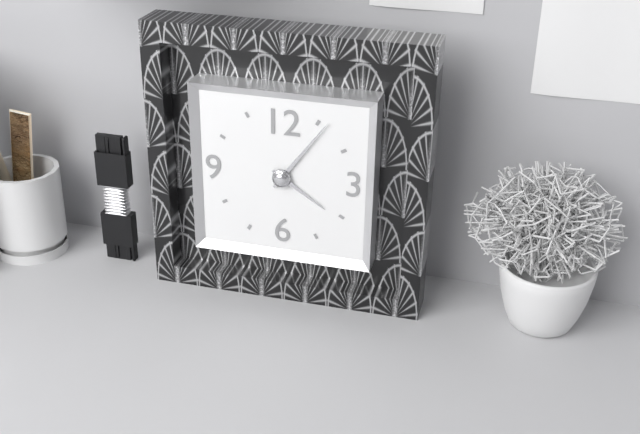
4:06
